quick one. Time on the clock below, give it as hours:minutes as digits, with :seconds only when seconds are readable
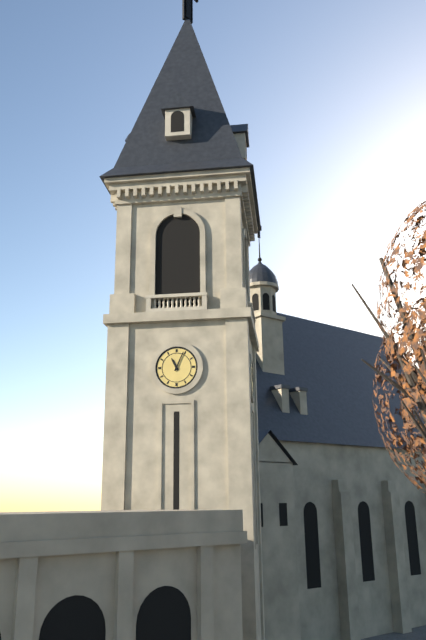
11:04
